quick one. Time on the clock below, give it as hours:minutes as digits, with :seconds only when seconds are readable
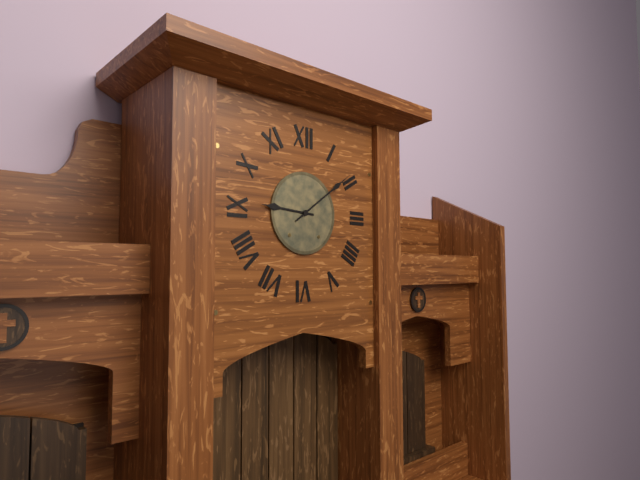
9:09
